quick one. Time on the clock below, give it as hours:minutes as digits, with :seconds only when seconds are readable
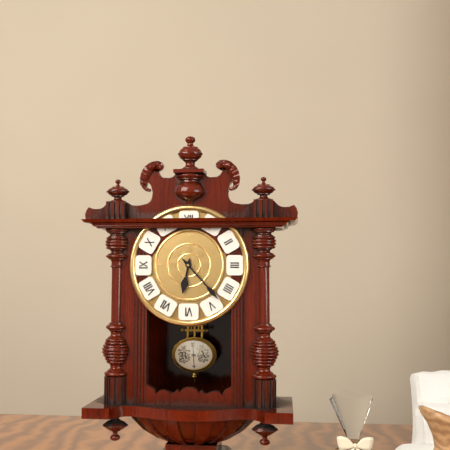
6:23
